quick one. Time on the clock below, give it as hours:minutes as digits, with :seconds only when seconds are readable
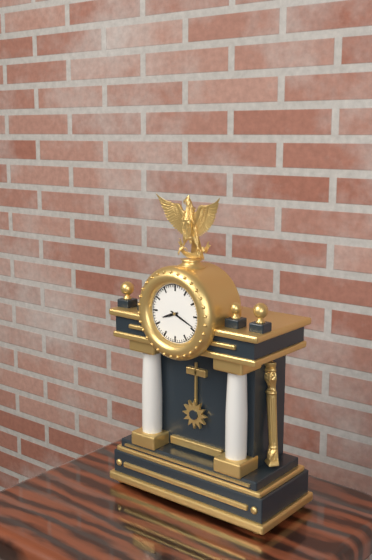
8:19
